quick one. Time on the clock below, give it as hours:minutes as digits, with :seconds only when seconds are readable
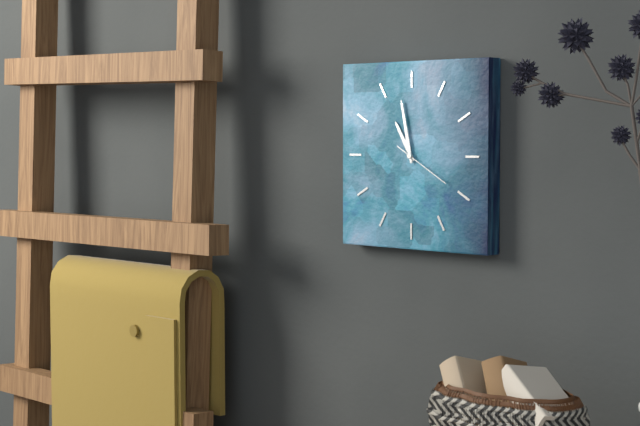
10:58:20
